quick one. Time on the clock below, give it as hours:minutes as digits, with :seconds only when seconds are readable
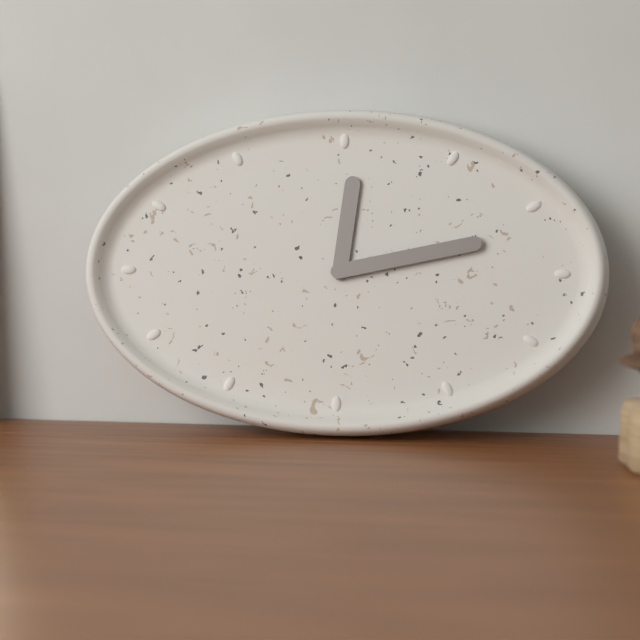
12:13
